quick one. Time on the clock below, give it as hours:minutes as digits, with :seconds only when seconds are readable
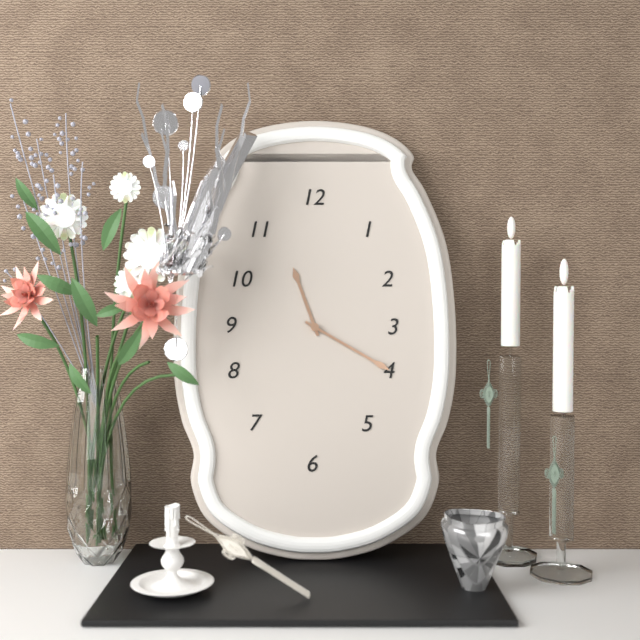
11:20
